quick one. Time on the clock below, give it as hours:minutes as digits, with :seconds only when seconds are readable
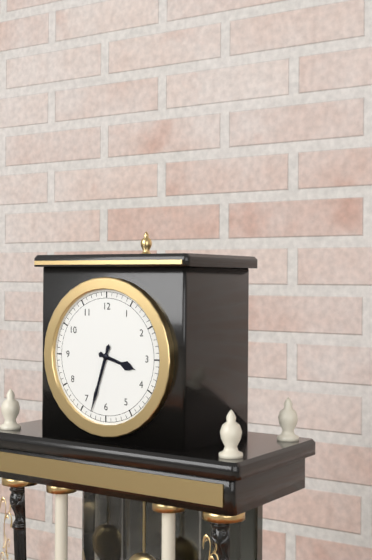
3:33
